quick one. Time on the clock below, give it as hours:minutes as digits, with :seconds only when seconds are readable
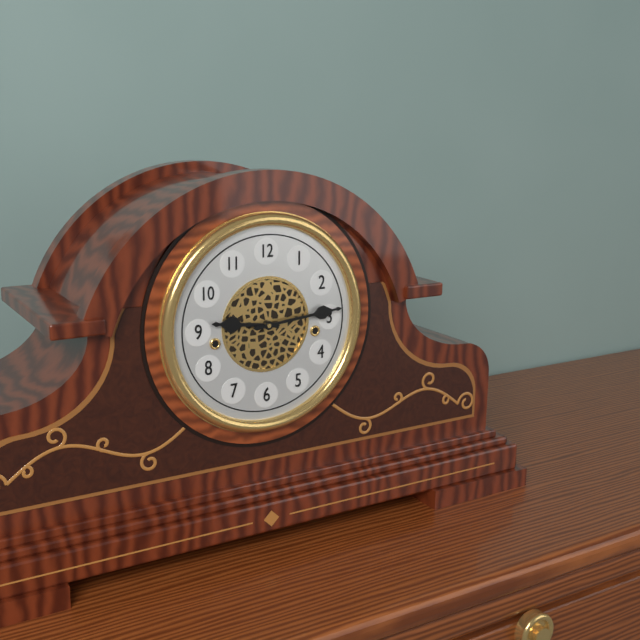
9:14
